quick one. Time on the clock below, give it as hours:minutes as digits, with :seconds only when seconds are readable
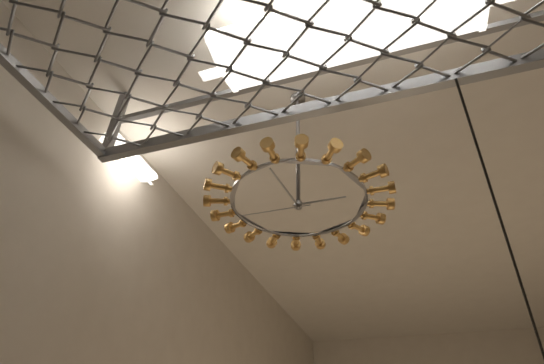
2:59:45
